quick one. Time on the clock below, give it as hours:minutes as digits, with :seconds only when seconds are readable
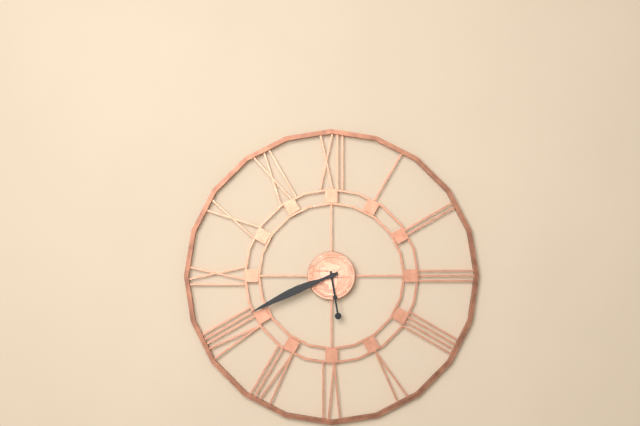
5:41
